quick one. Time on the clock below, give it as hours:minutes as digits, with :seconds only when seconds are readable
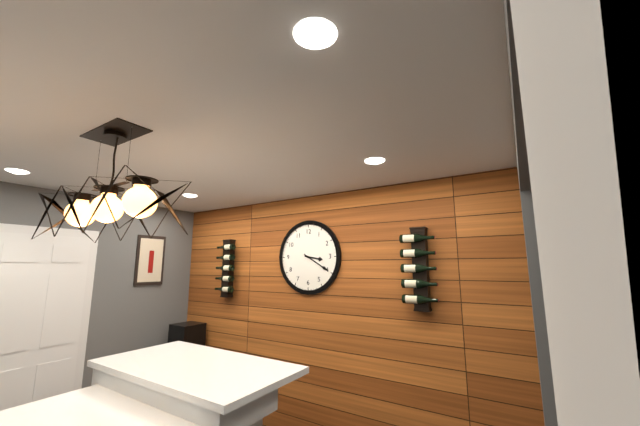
3:20
